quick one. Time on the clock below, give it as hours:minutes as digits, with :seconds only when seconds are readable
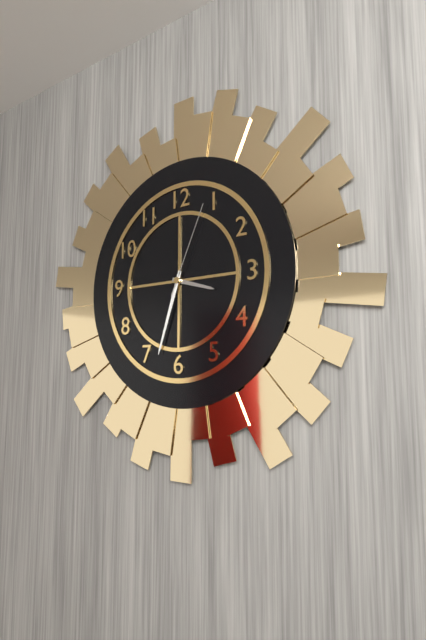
3:33:04
